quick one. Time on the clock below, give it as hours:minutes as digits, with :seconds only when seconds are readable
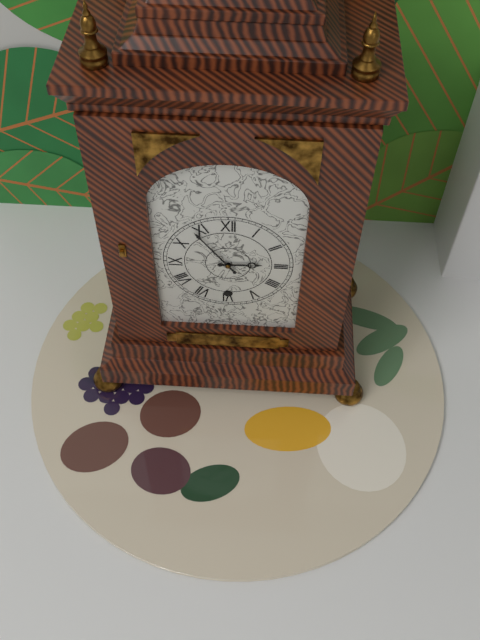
2:54
